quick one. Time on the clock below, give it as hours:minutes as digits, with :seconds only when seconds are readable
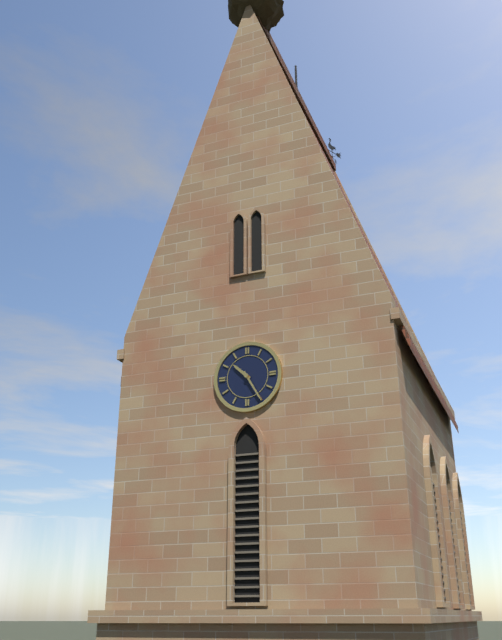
10:25
